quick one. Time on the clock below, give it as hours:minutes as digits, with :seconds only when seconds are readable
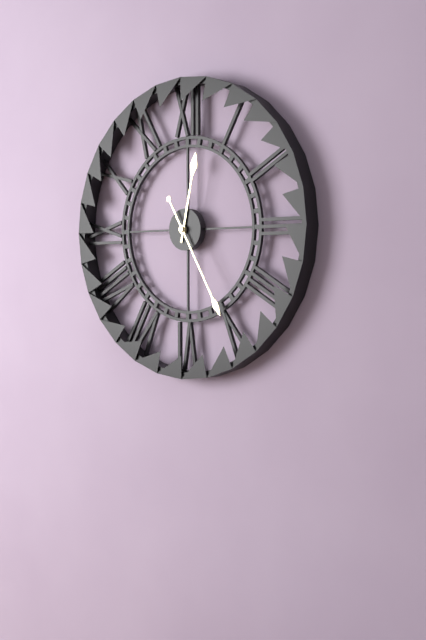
12:25
